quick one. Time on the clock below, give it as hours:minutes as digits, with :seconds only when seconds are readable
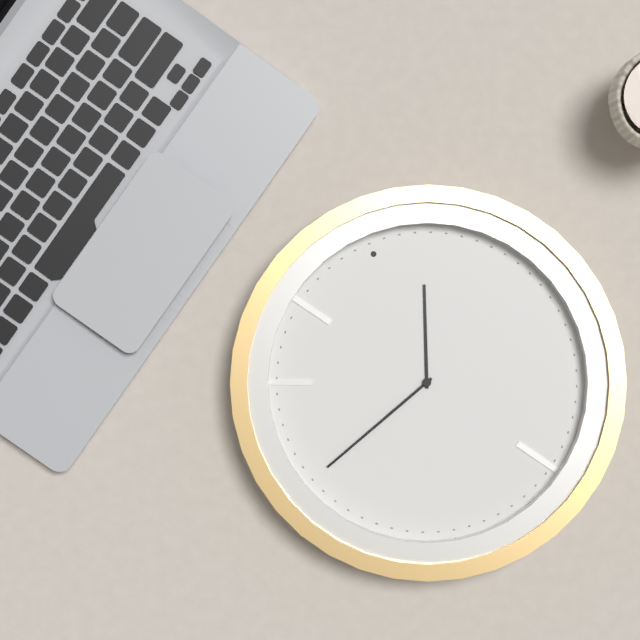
12:42
